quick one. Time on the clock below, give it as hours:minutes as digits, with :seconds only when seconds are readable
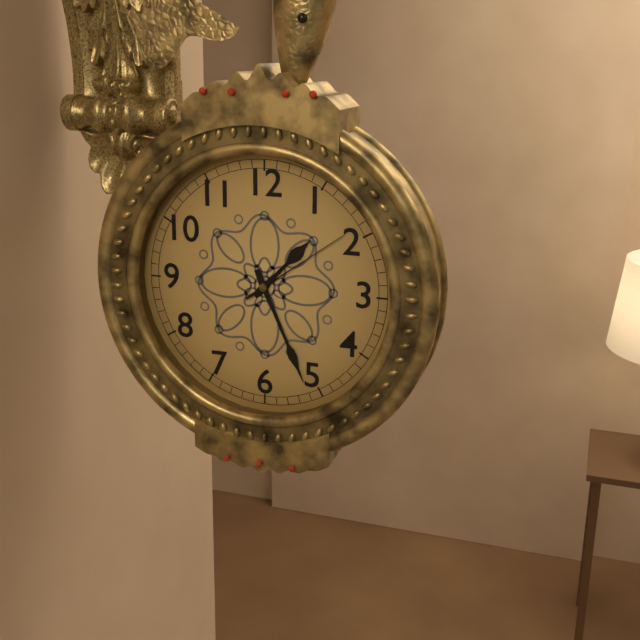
1:26:09
